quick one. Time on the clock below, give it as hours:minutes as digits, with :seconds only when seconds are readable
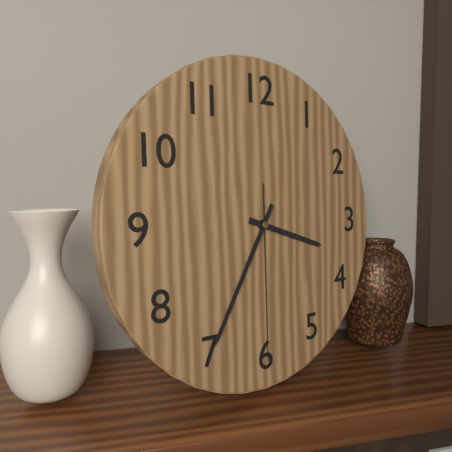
3:35:30
